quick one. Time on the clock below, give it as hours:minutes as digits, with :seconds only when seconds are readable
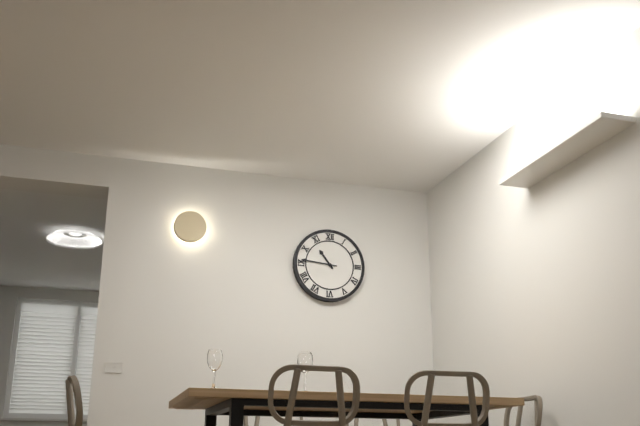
10:46
